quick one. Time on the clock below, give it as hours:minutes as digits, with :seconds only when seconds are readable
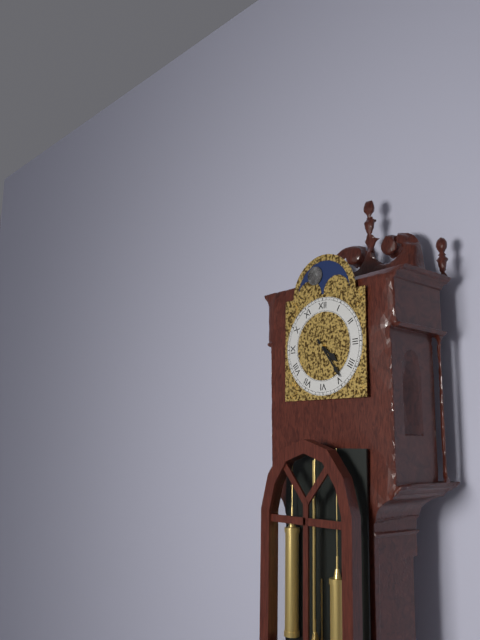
4:24
